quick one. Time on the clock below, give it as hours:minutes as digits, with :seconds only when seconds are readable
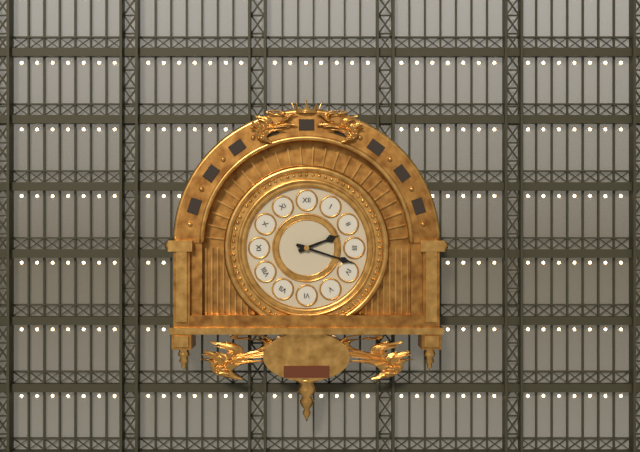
2:18
